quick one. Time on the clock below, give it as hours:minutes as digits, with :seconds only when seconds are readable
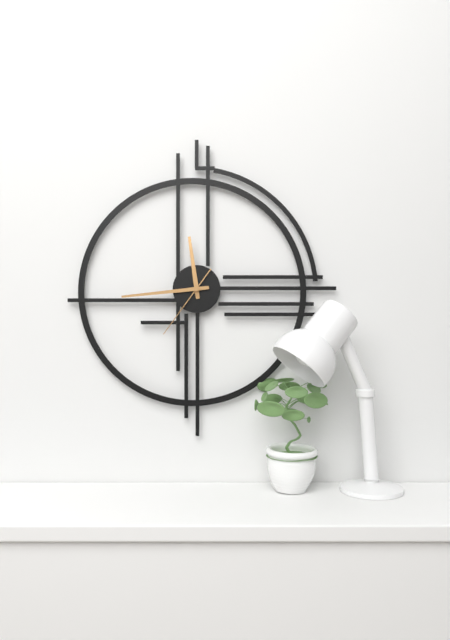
11:44:36
